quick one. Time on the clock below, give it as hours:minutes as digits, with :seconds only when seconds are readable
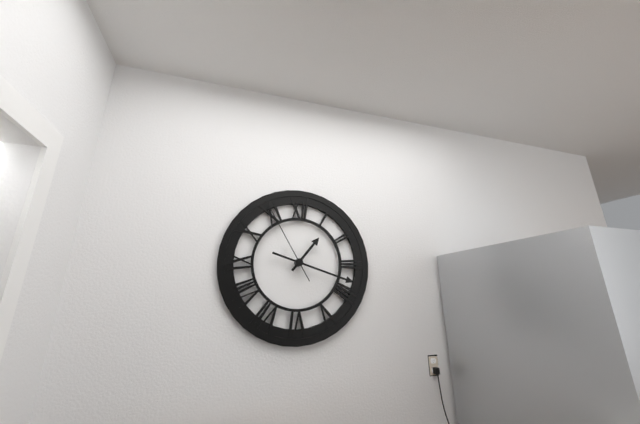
1:18:55
